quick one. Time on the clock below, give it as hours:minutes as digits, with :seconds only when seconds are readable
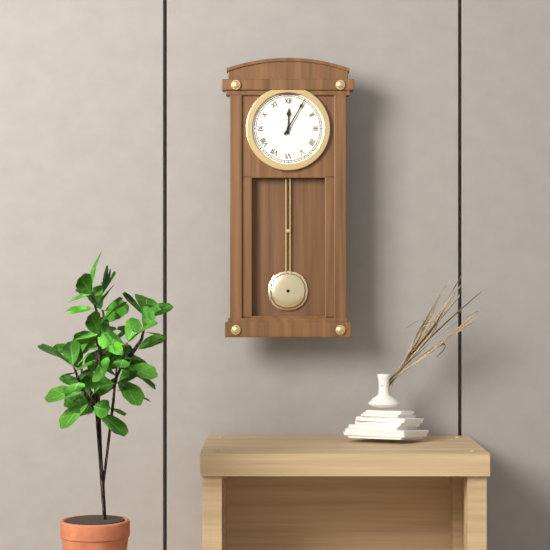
12:05
